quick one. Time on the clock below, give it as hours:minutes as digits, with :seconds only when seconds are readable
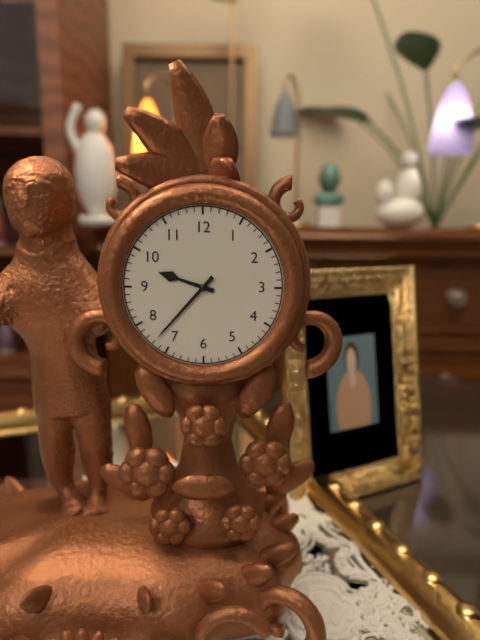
9:37
